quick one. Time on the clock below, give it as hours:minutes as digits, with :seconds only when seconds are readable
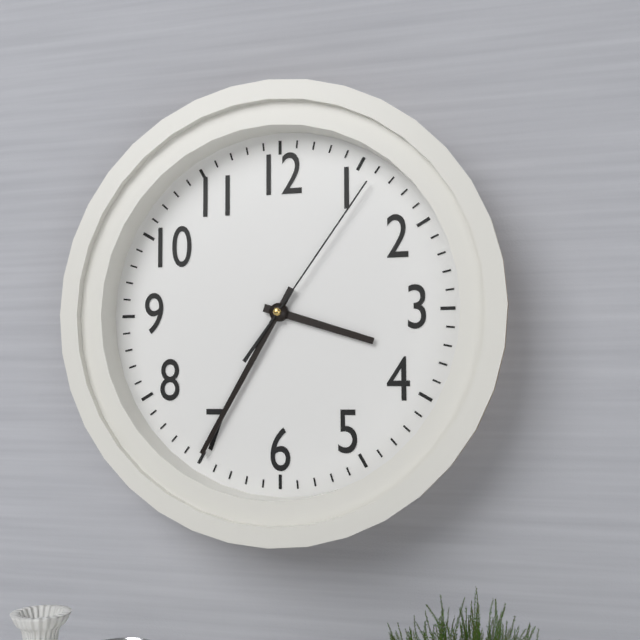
3:35:06
